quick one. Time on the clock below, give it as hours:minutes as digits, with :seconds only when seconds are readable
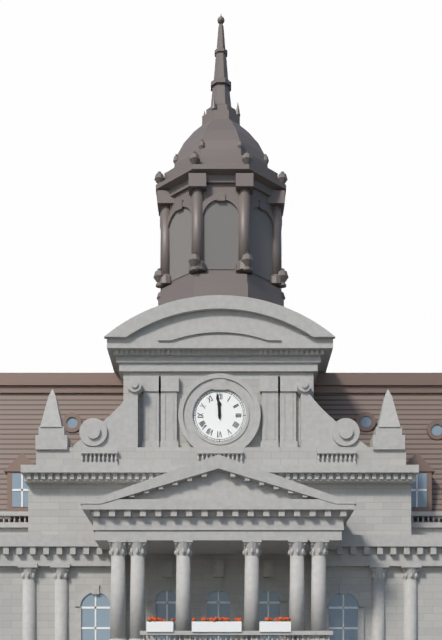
11:59
